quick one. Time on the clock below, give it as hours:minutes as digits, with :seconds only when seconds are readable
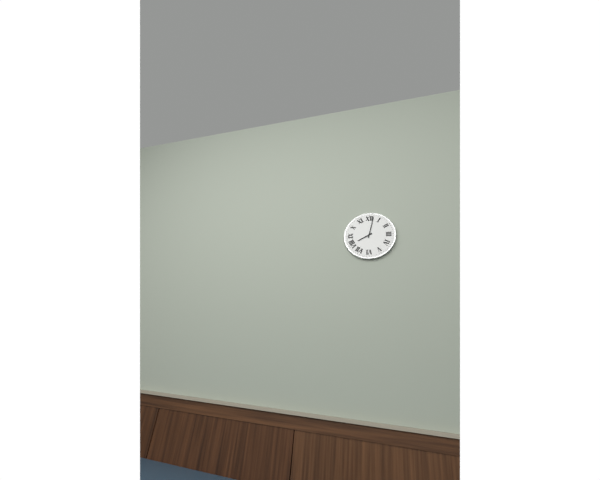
8:02
